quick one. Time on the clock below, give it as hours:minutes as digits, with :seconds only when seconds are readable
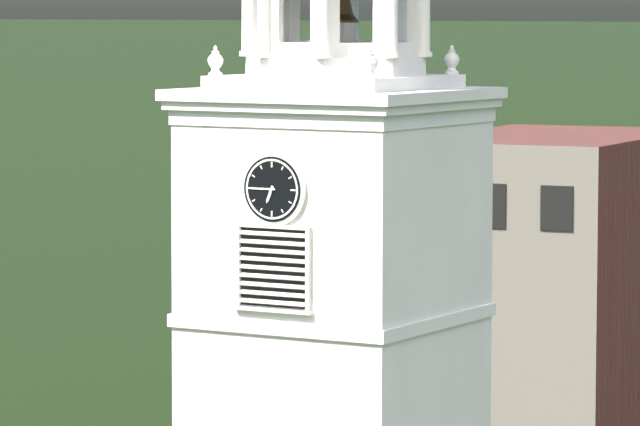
6:45
